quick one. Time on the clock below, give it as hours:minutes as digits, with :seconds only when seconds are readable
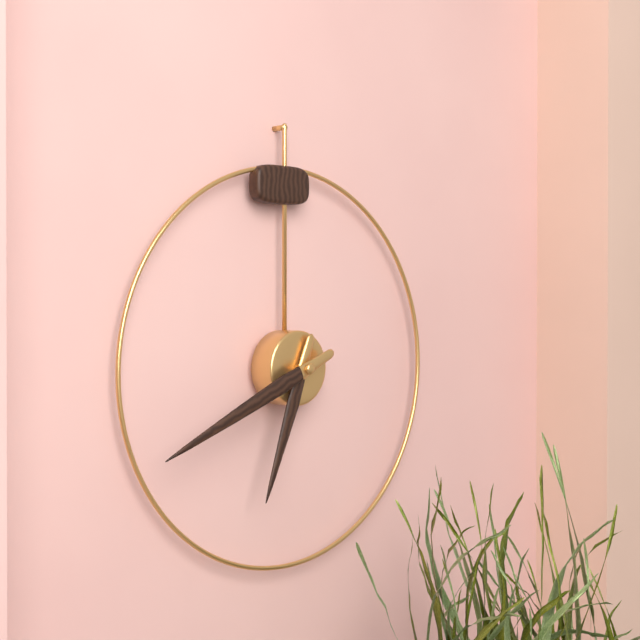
6:41
